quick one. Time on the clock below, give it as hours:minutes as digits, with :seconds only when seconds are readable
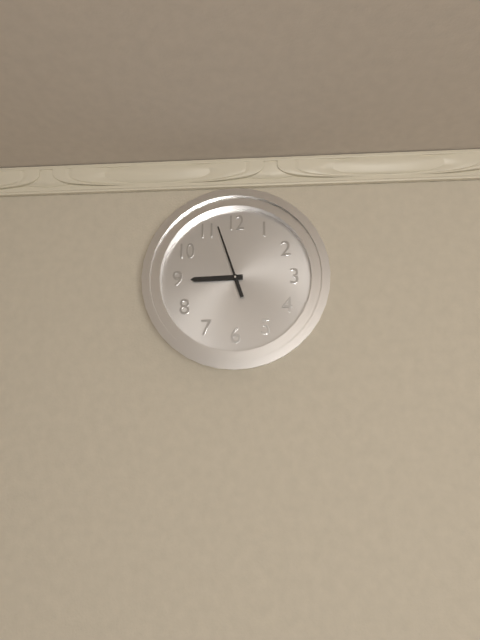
8:57
